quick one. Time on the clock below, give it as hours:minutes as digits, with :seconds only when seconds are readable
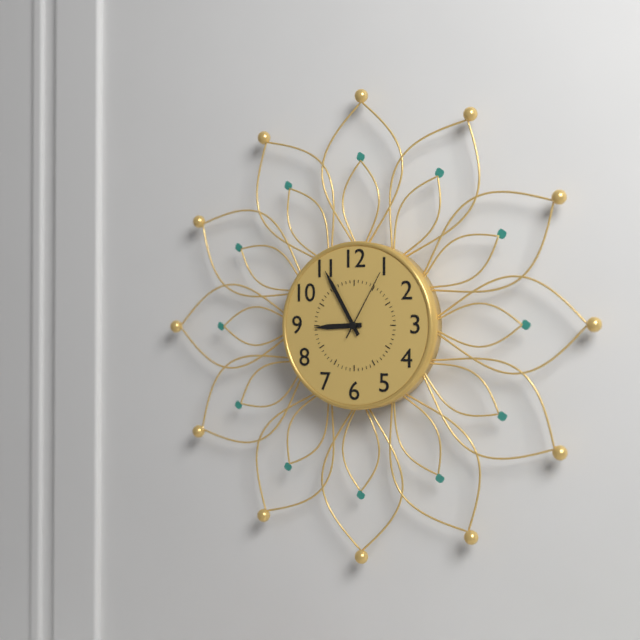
8:55:05
